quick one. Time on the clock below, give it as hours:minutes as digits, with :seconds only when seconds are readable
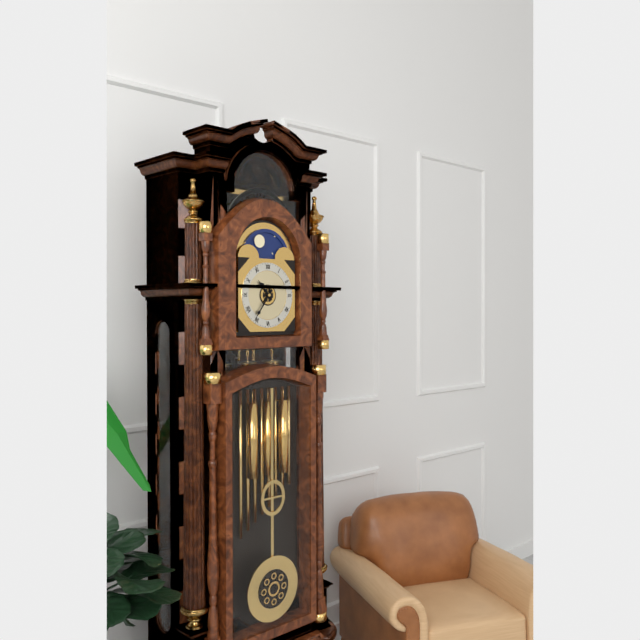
10:36
